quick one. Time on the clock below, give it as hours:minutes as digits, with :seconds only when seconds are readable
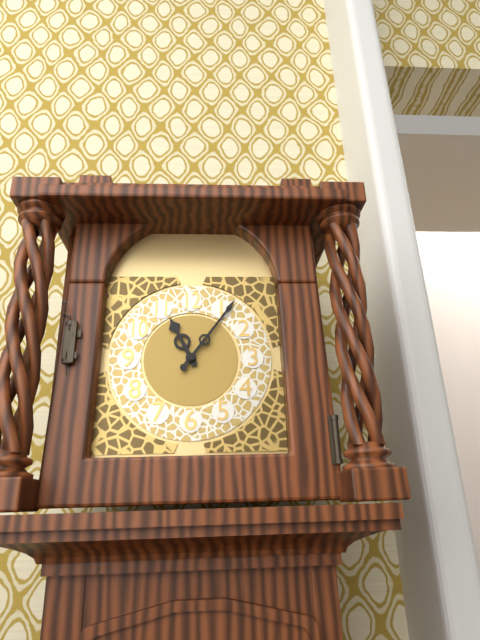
11:06
